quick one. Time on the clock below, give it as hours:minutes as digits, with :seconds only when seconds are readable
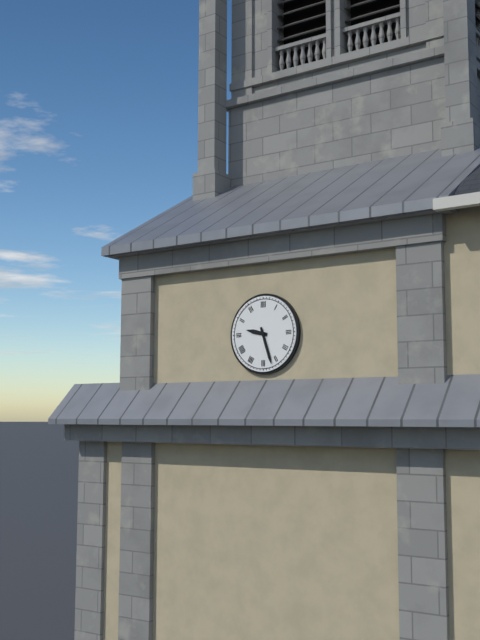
9:27
